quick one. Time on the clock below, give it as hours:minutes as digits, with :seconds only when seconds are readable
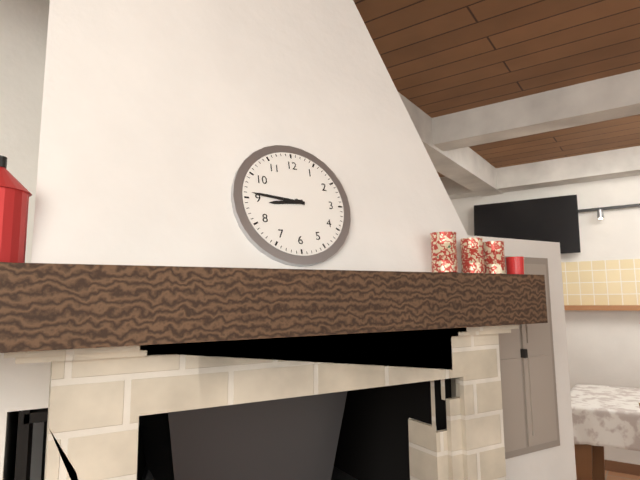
8:46
